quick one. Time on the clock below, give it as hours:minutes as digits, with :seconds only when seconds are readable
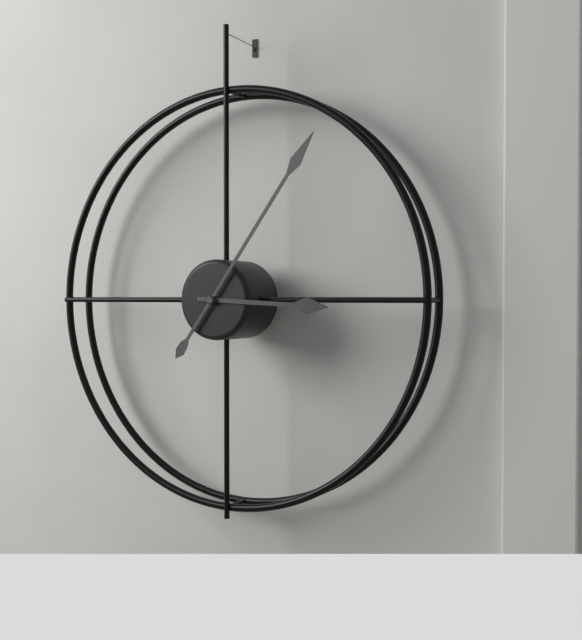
3:06
